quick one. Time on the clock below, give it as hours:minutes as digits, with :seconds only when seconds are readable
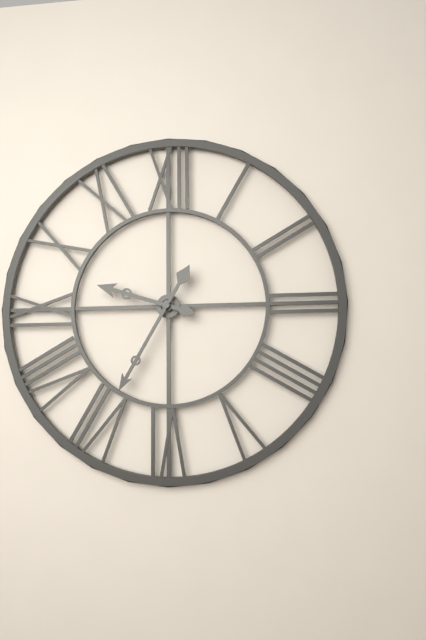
9:35
